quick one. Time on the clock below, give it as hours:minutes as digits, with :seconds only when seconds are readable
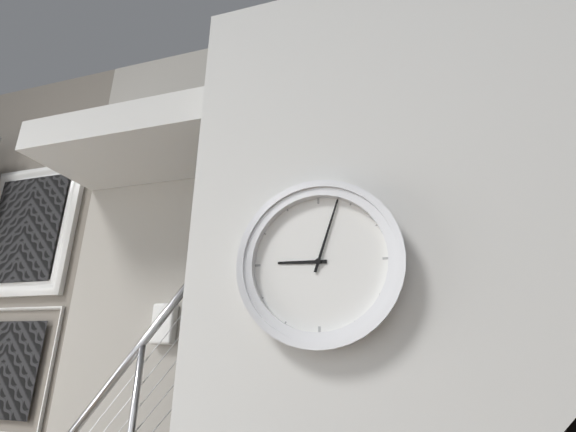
9:03
